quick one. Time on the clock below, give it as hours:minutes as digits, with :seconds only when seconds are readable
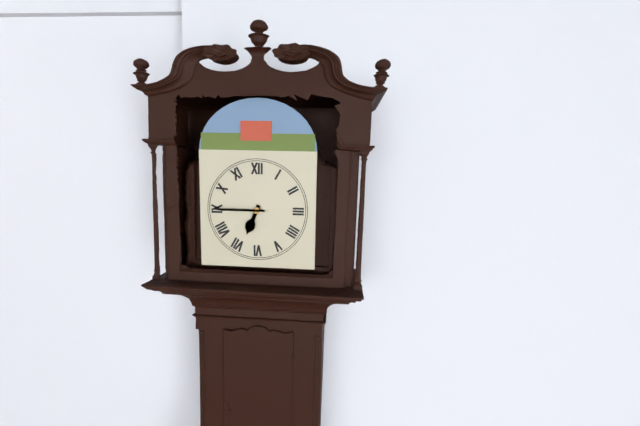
6:45
